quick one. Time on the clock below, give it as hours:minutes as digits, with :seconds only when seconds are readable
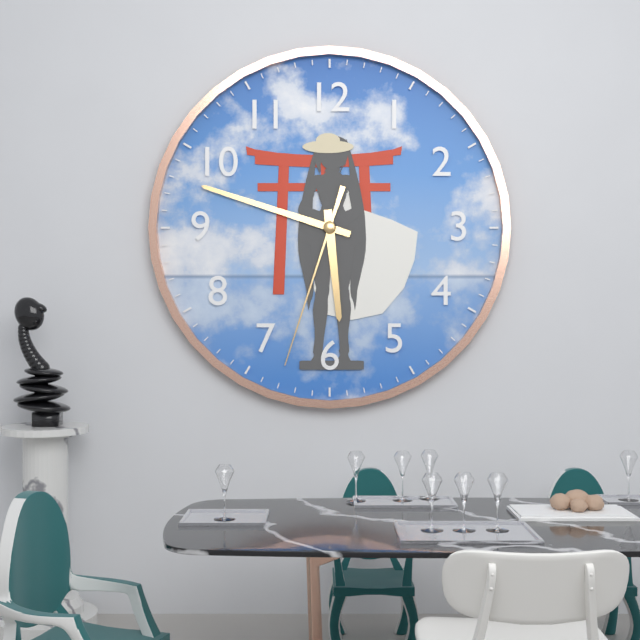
5:48:33
